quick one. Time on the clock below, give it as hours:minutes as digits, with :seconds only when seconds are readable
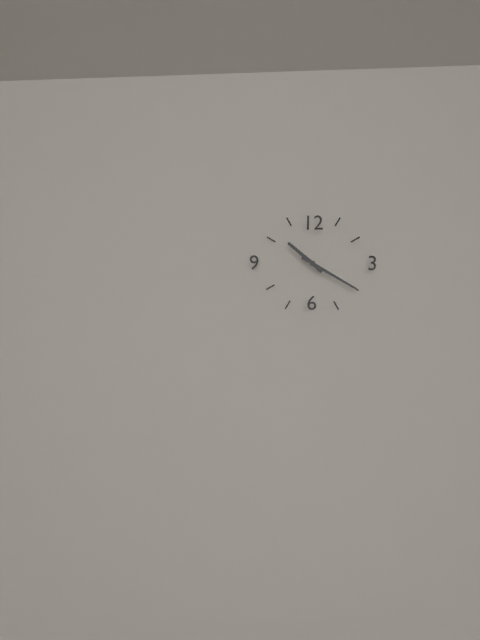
10:20
